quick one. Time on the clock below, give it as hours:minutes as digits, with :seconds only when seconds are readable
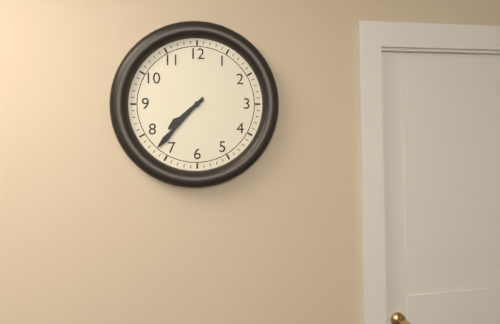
7:37
